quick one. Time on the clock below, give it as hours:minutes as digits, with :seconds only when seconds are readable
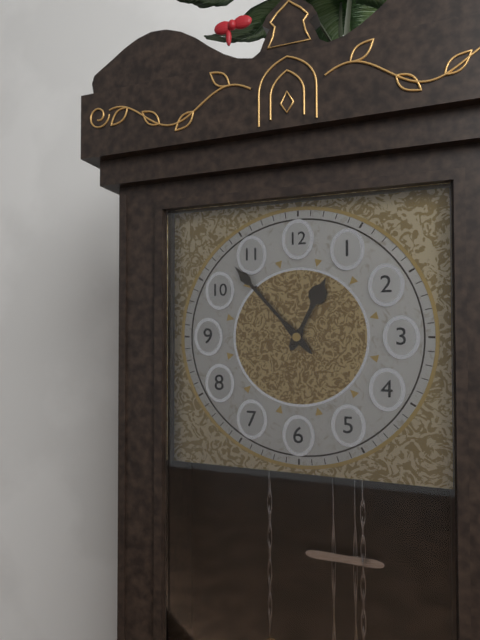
12:53
